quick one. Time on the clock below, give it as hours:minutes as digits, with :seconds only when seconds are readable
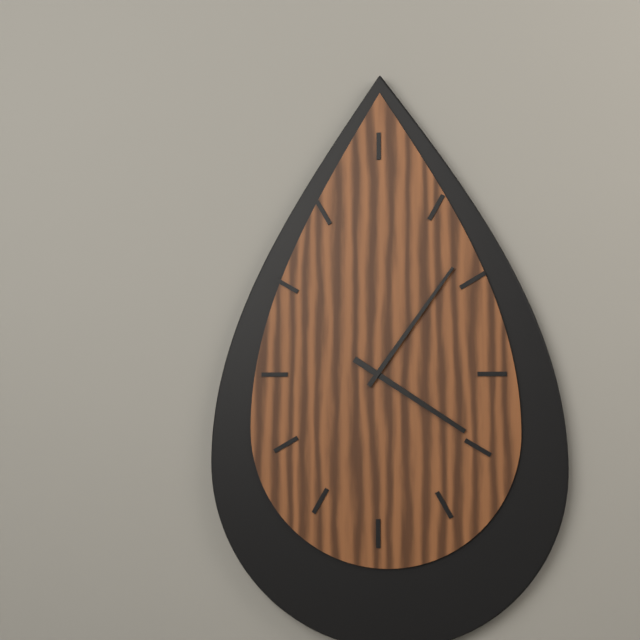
4:06
